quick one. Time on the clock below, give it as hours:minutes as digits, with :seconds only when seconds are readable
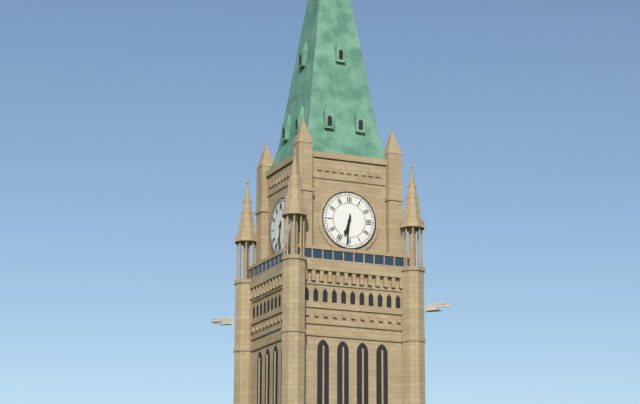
6:31
